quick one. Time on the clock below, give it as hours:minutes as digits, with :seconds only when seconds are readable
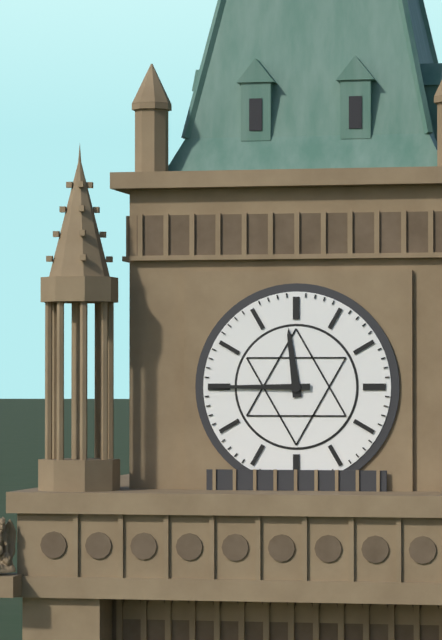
11:45
